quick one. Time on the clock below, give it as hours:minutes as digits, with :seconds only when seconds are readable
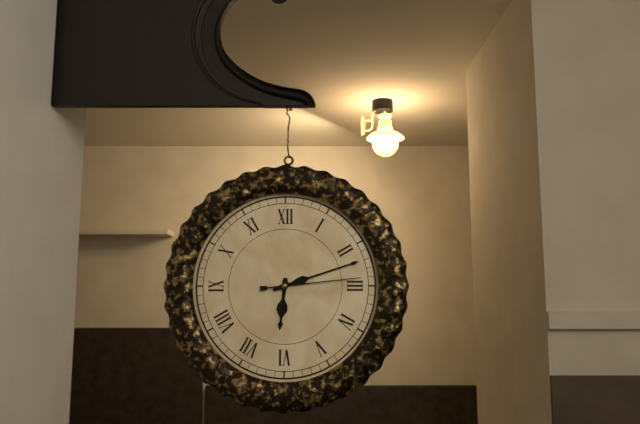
6:12:14
